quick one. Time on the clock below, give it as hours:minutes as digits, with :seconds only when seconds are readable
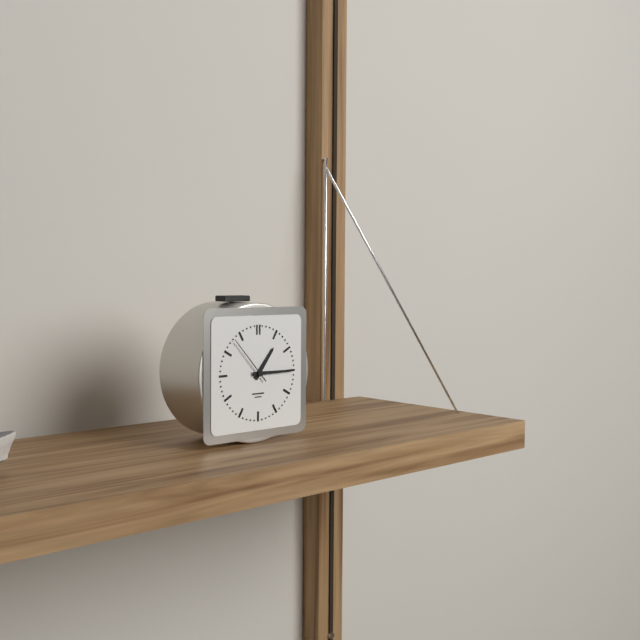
1:15:53
